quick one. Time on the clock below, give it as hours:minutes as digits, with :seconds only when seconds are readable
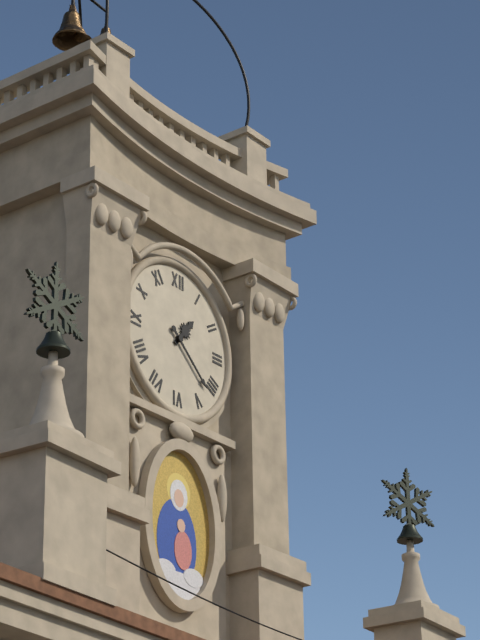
1:22
